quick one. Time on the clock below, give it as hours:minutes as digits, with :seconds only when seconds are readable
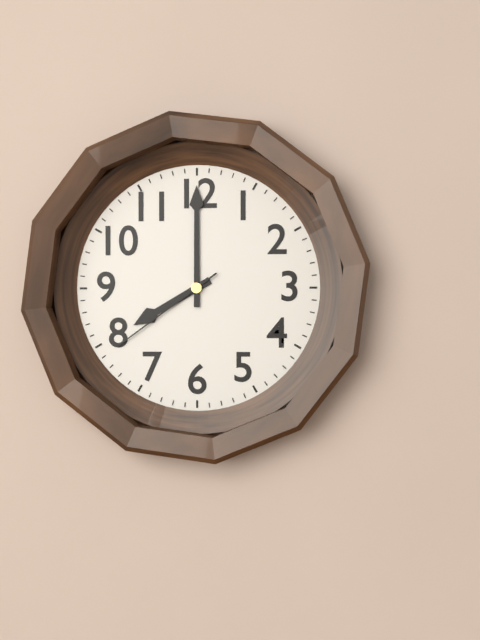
8:00:39
